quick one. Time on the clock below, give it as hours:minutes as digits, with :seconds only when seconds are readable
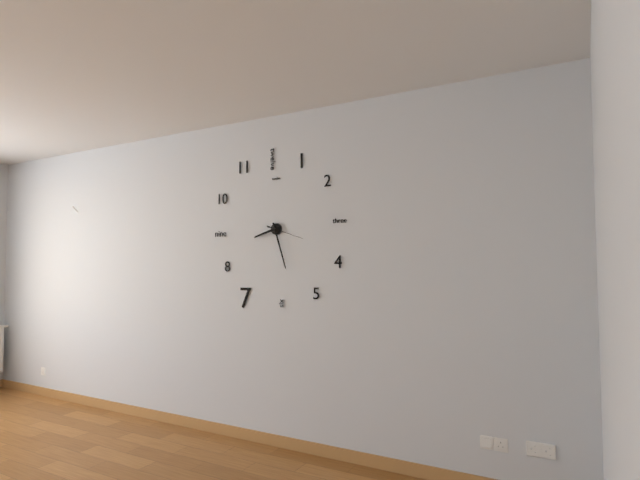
8:27
